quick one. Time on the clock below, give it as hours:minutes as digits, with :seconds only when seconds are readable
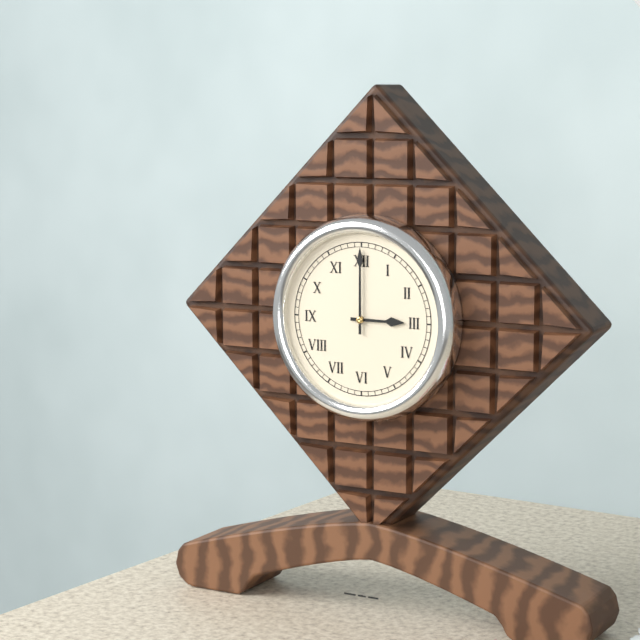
3:00
